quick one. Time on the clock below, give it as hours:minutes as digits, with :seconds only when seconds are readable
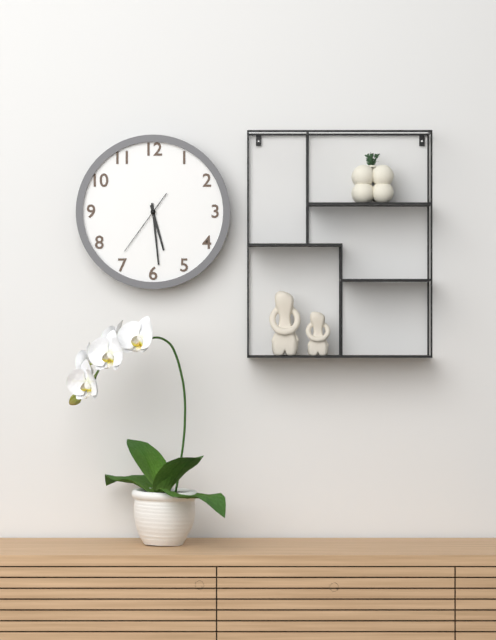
5:29:36
